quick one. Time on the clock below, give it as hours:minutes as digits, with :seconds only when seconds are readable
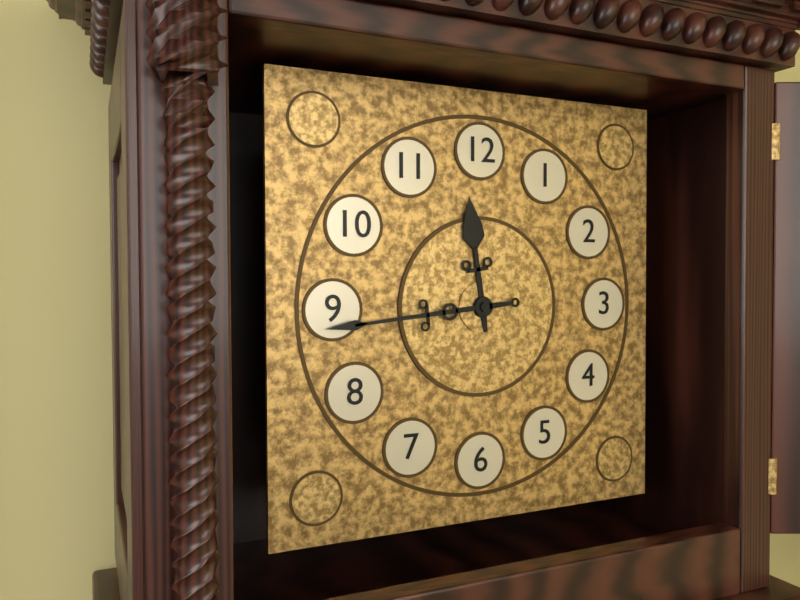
11:44
